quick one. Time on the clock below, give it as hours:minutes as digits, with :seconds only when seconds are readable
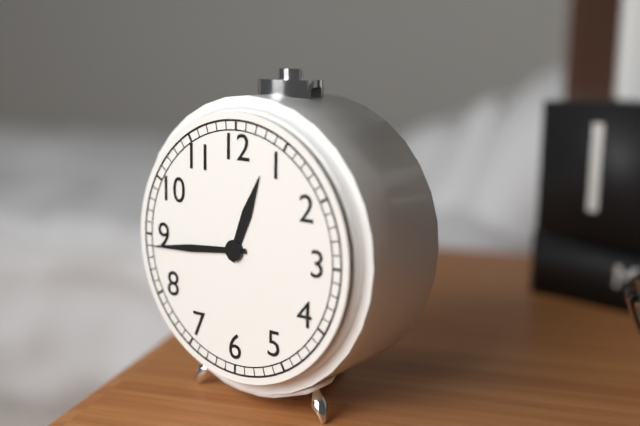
12:44
